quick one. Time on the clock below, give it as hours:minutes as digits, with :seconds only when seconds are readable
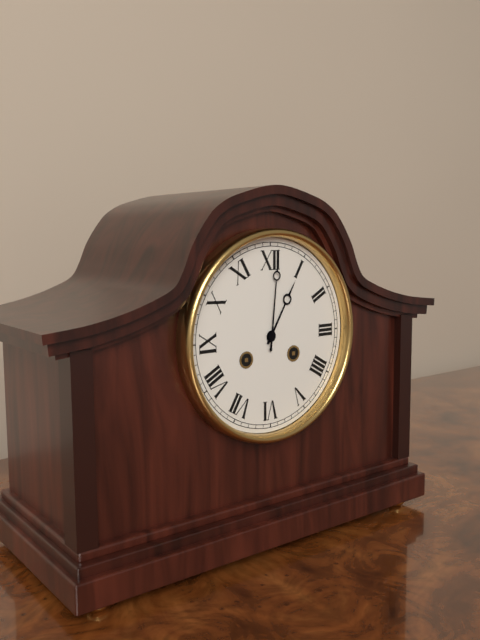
1:01
